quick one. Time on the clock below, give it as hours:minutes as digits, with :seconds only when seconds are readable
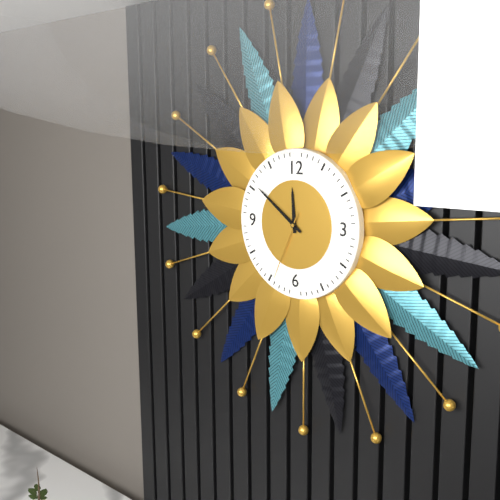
11:51:34
